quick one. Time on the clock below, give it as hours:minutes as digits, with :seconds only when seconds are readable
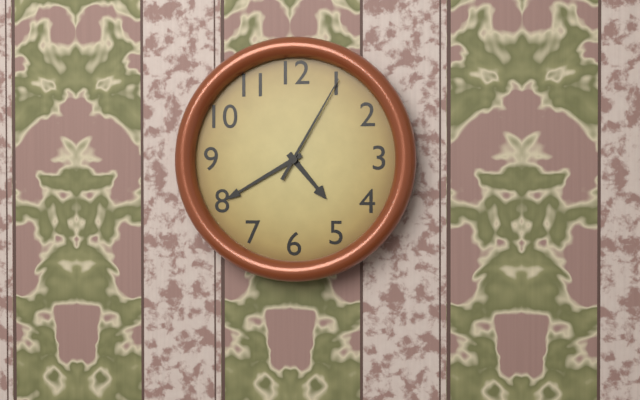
4:40:05
